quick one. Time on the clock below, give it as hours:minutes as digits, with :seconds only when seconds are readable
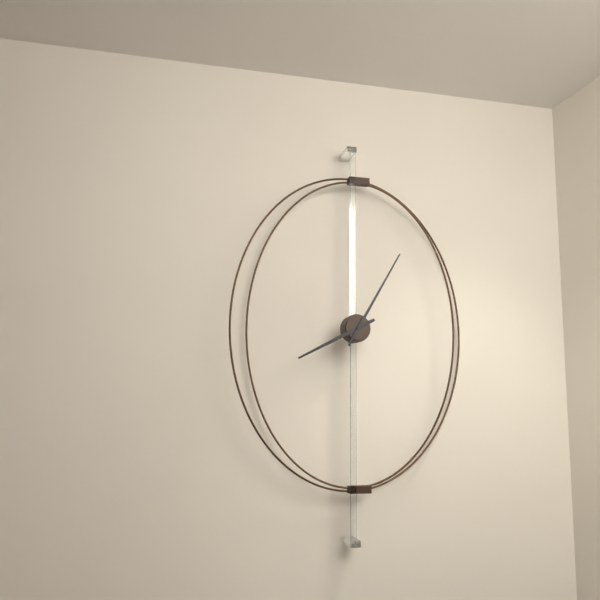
8:05
